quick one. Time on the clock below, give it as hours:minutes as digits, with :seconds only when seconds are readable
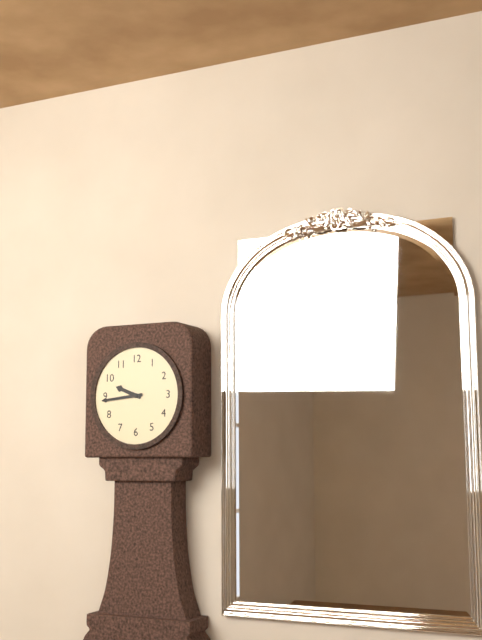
9:44
